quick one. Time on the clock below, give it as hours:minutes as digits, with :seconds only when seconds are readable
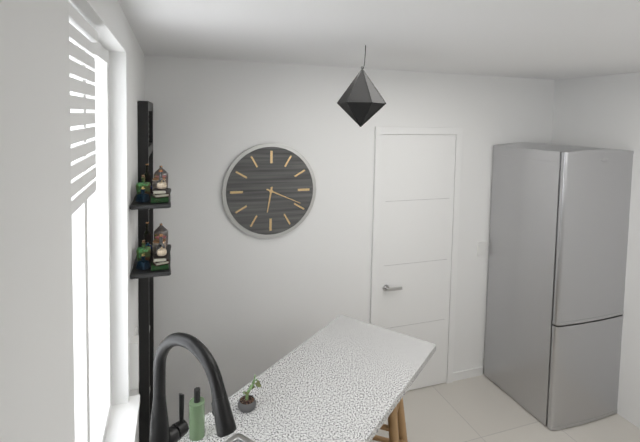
6:19
